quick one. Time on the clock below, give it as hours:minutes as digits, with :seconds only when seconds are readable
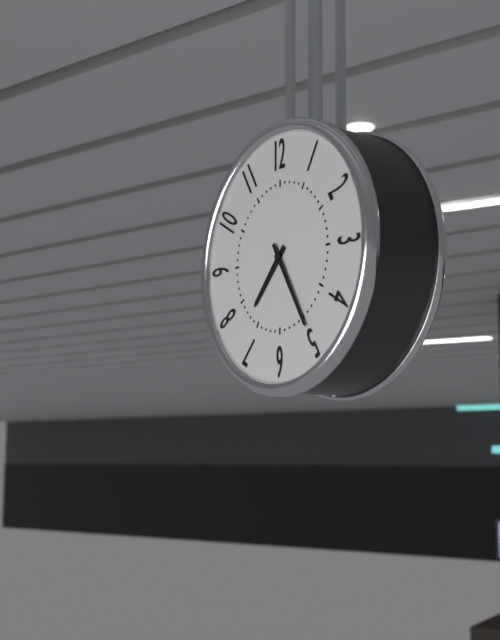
7:25
